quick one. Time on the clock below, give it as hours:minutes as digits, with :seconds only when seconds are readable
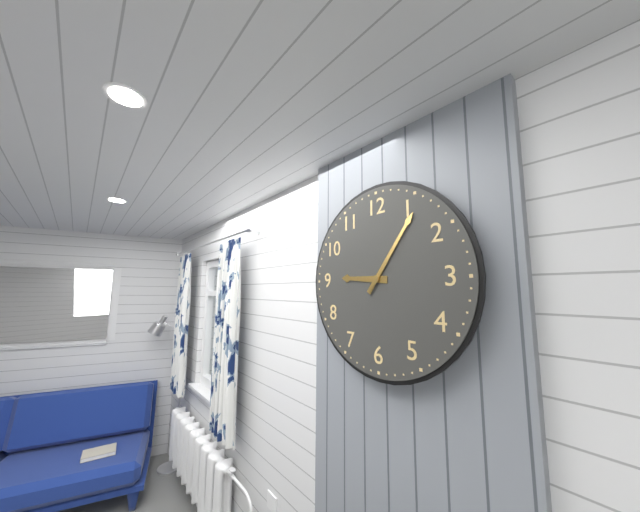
9:06
